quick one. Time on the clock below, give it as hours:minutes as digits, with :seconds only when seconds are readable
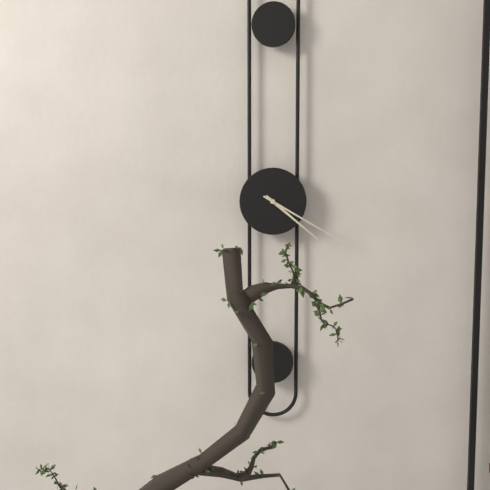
4:20
